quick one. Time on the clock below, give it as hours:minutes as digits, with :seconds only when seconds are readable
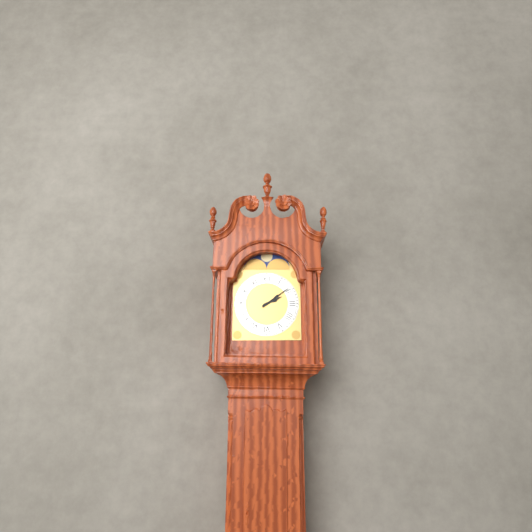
2:09
